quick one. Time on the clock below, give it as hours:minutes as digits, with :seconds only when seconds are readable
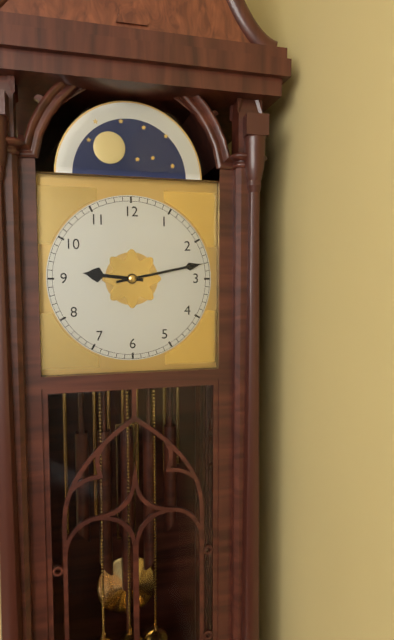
9:13
